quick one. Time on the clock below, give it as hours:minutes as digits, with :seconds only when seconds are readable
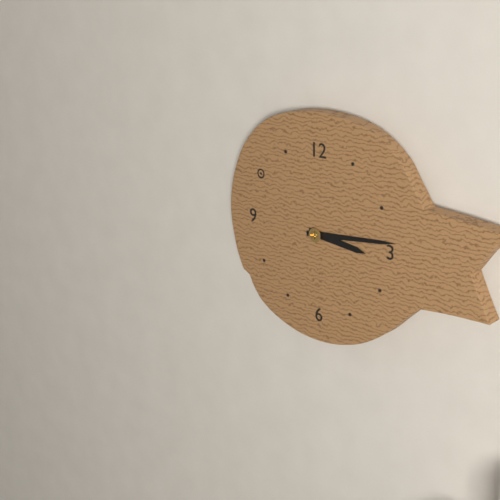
3:14
